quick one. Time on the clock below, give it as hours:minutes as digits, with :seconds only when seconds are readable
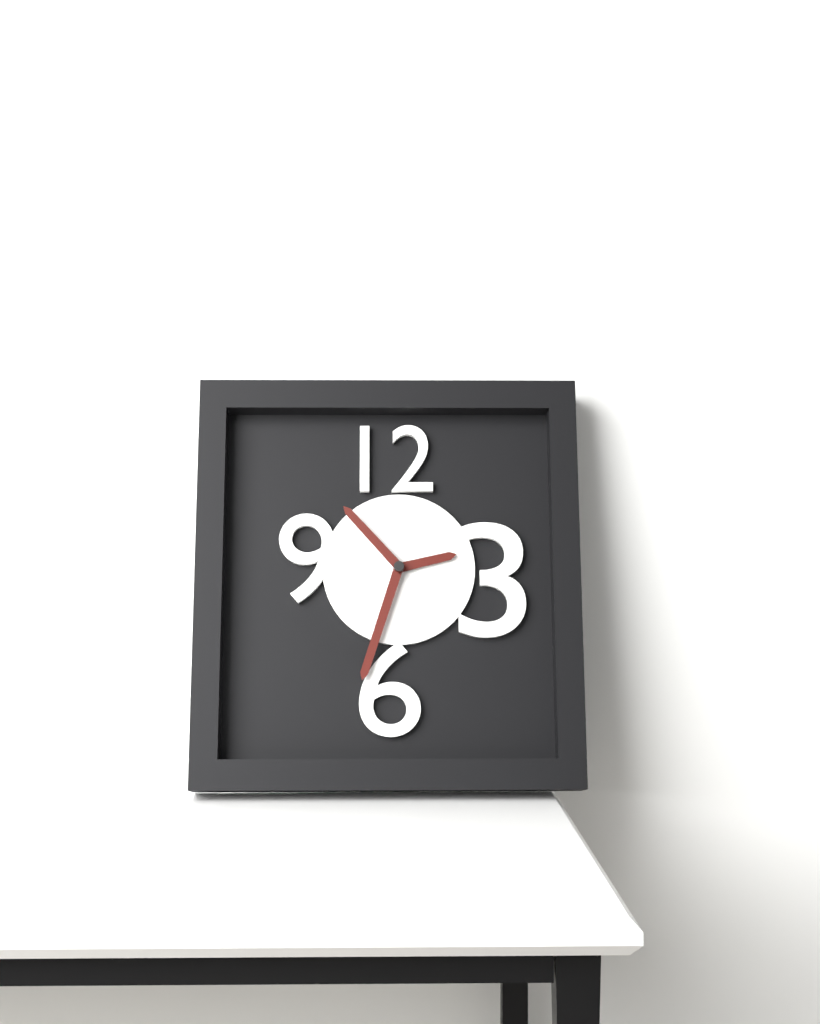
2:33:53
